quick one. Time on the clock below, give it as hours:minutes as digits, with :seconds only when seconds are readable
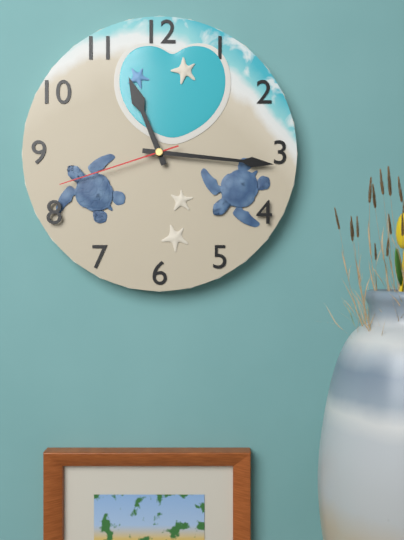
11:16:42
